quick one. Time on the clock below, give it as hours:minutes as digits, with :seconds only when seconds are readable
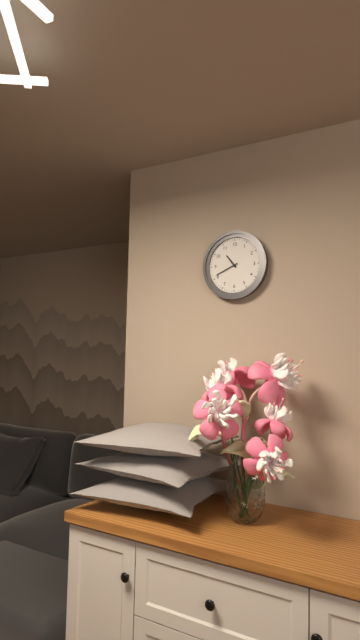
10:41
